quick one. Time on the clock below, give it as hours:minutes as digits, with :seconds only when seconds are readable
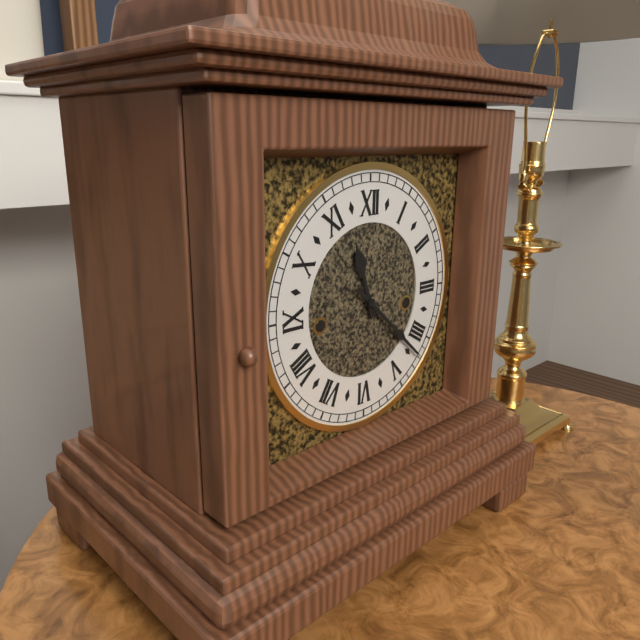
11:22
